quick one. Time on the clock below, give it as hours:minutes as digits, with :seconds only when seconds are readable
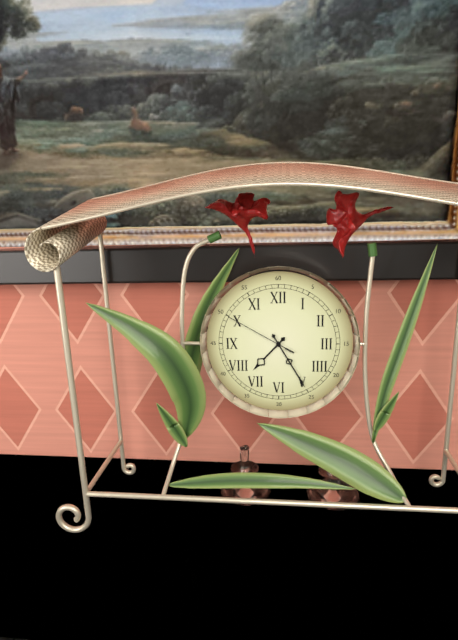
7:25:50
